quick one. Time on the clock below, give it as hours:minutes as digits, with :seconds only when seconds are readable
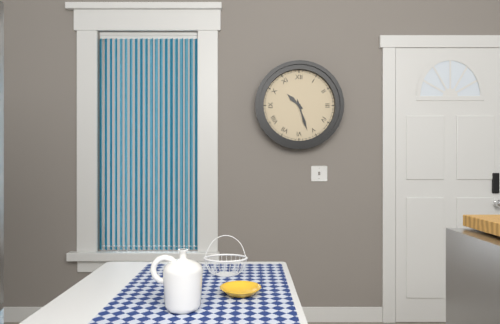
10:27
